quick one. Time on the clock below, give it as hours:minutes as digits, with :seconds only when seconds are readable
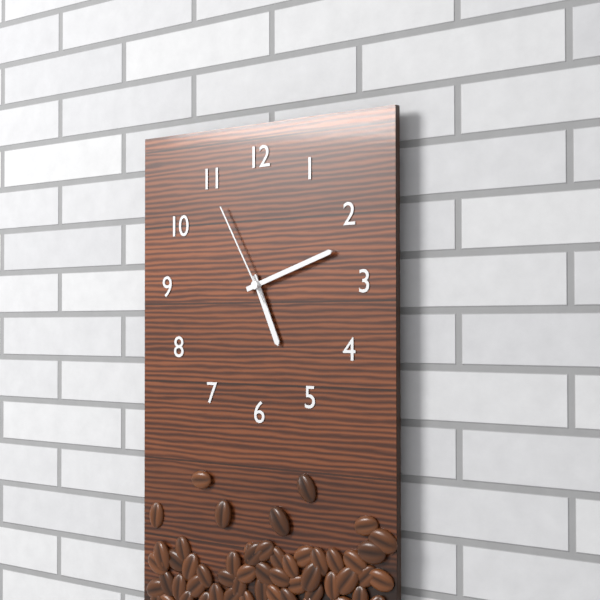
5:12:55
